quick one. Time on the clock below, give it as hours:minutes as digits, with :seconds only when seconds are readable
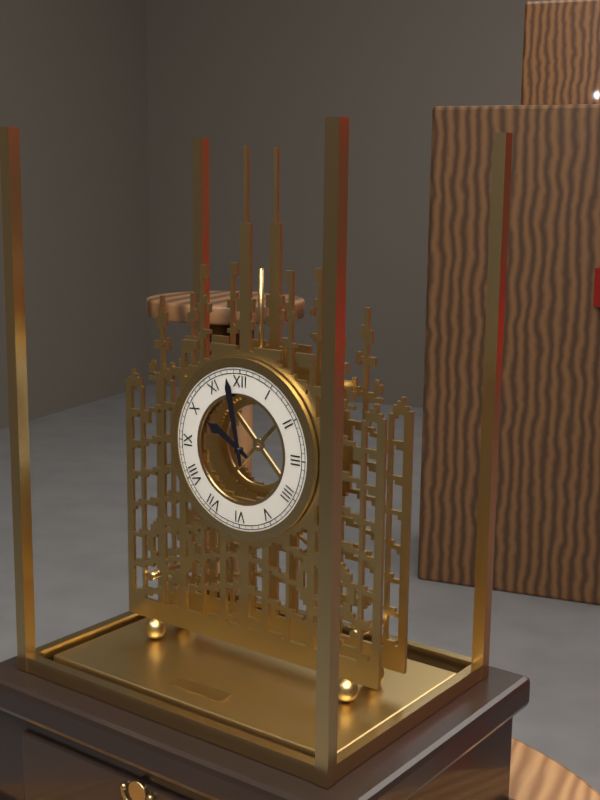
9:58
